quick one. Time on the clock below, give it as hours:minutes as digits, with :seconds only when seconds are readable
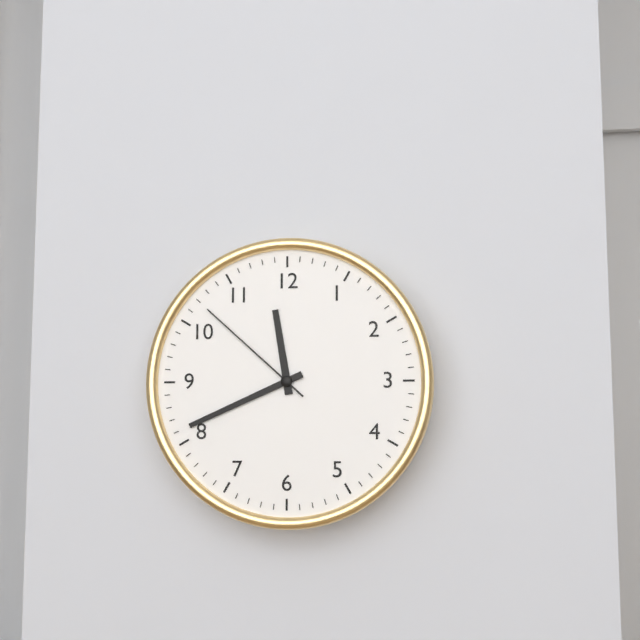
11:41:52
